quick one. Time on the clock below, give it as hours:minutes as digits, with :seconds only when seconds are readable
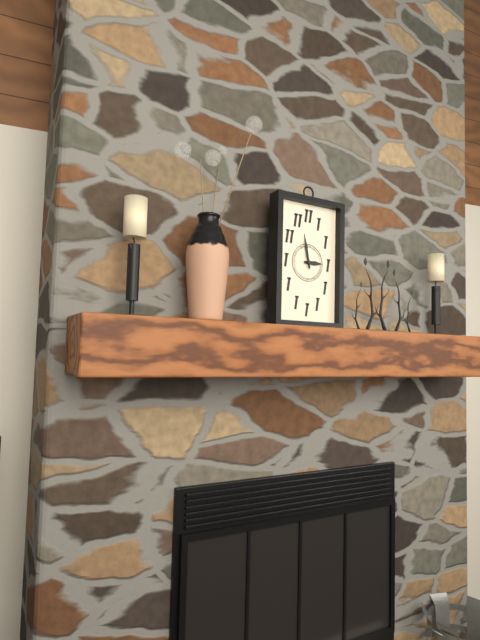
2:58
